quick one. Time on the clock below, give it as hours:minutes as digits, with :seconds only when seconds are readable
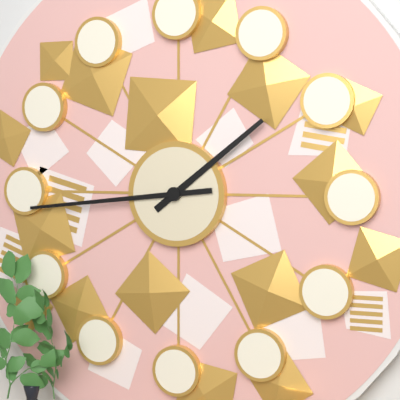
1:44
